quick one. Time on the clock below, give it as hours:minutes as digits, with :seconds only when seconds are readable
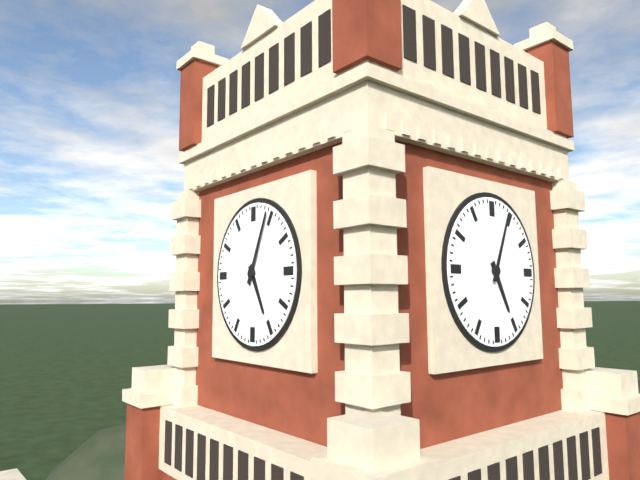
5:04
